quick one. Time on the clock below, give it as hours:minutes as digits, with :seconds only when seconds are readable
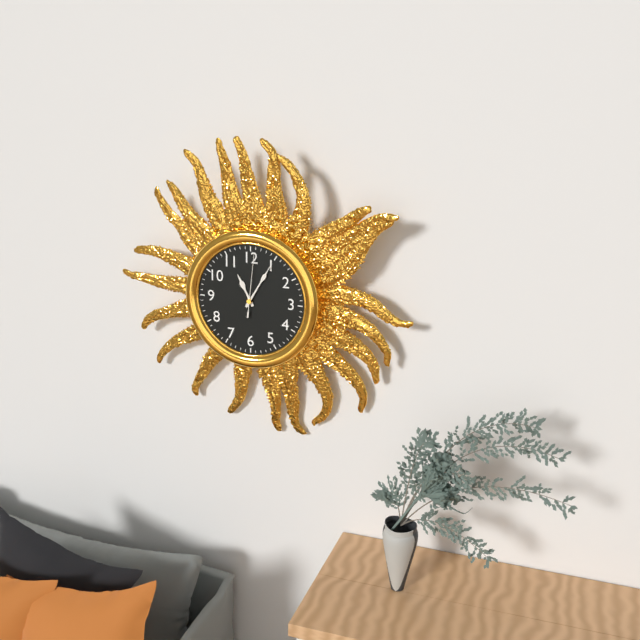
11:05:01
